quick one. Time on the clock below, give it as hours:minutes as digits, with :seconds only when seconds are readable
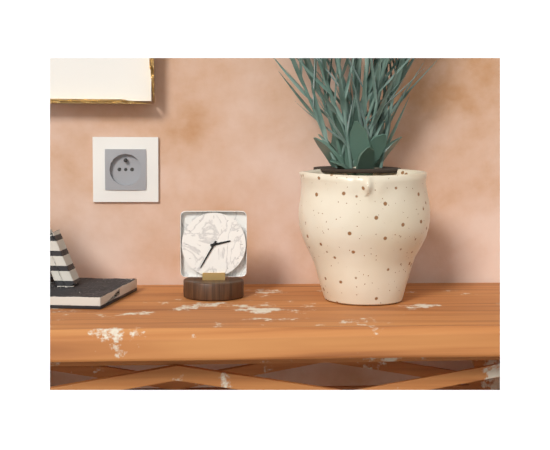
2:35
